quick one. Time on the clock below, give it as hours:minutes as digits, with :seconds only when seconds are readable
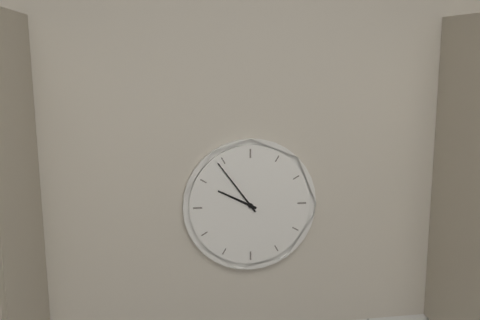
9:54
